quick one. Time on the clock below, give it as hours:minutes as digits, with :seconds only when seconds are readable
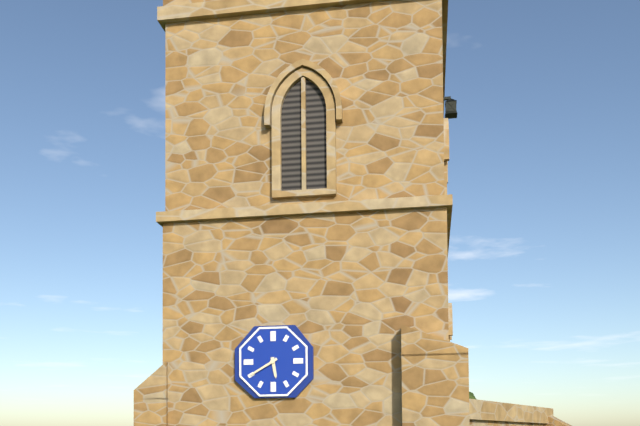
5:40
